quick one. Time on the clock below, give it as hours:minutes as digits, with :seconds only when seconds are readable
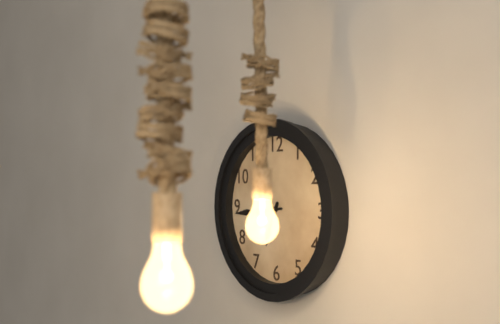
6:44
